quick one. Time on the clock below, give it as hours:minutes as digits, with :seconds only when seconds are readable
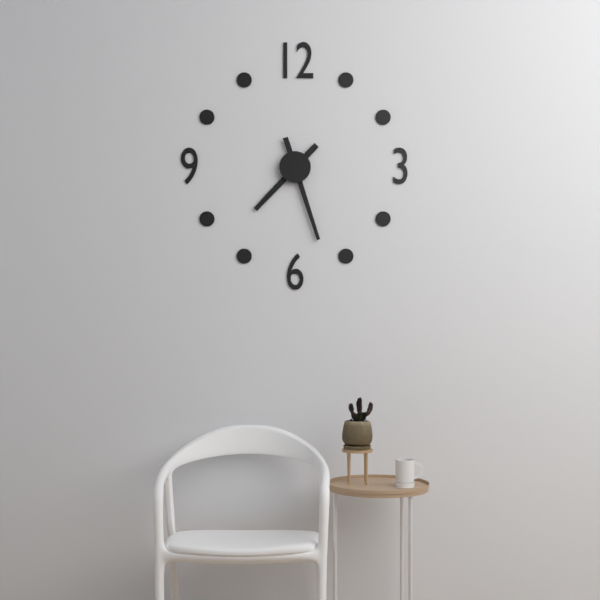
7:27
